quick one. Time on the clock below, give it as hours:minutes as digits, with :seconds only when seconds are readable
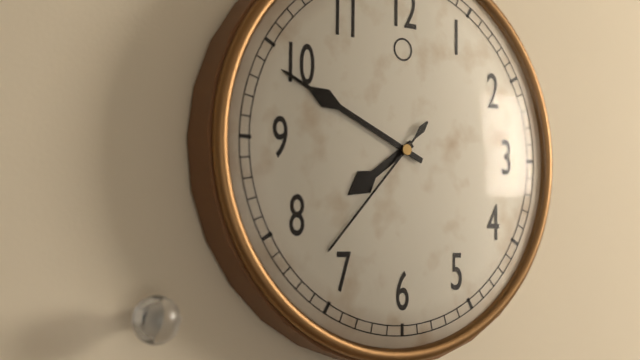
7:49:37
